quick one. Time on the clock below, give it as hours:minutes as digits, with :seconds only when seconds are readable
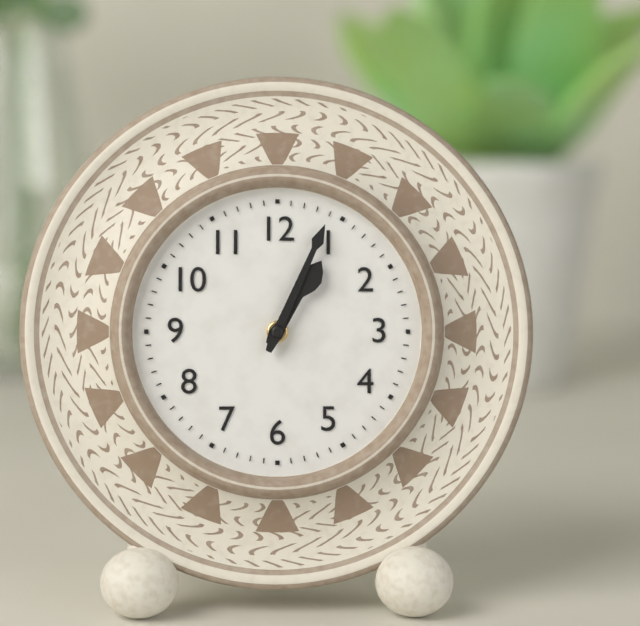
1:04
